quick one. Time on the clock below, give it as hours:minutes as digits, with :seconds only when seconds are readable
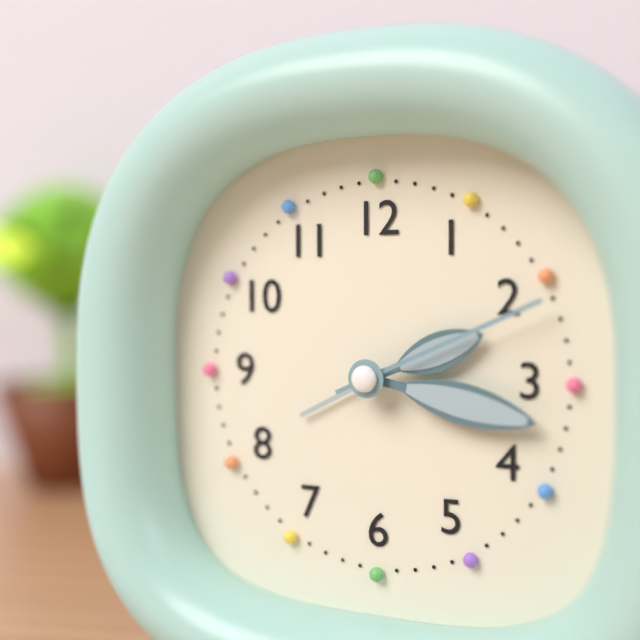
2:17:11
